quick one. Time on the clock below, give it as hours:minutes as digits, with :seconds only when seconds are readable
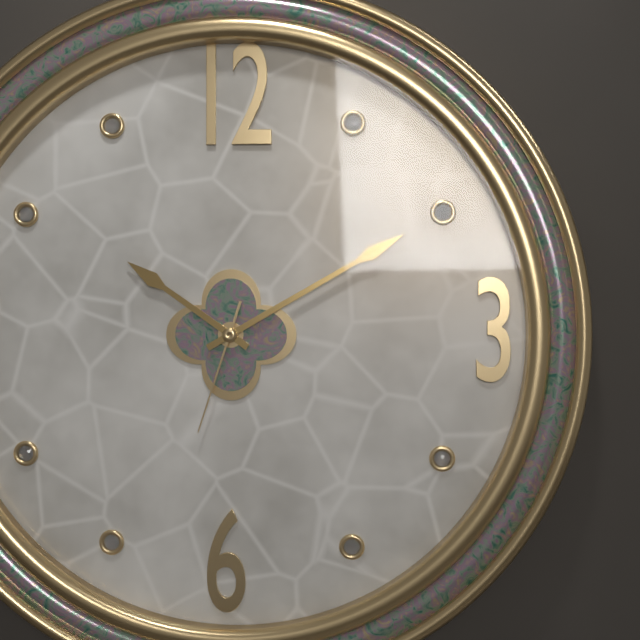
10:10:33
